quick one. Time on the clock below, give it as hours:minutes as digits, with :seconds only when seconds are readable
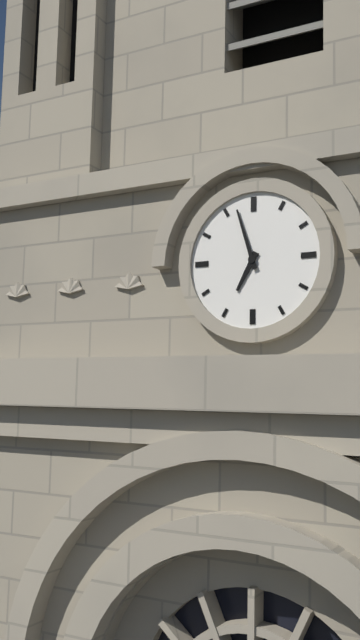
6:57
